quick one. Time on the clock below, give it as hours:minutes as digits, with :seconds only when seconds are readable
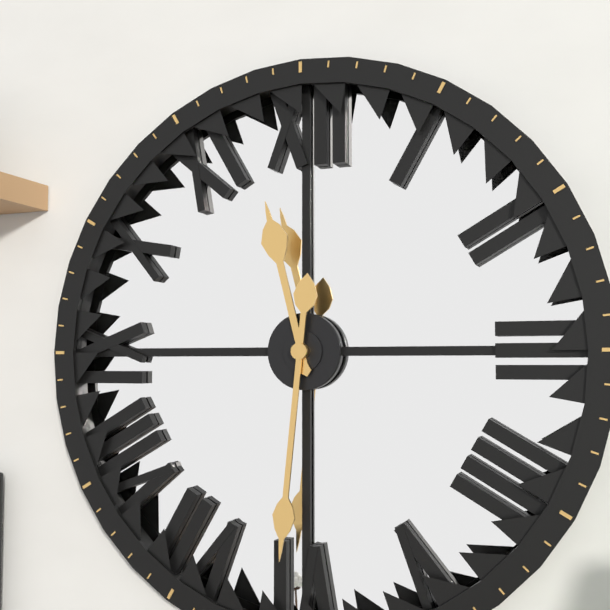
11:31
